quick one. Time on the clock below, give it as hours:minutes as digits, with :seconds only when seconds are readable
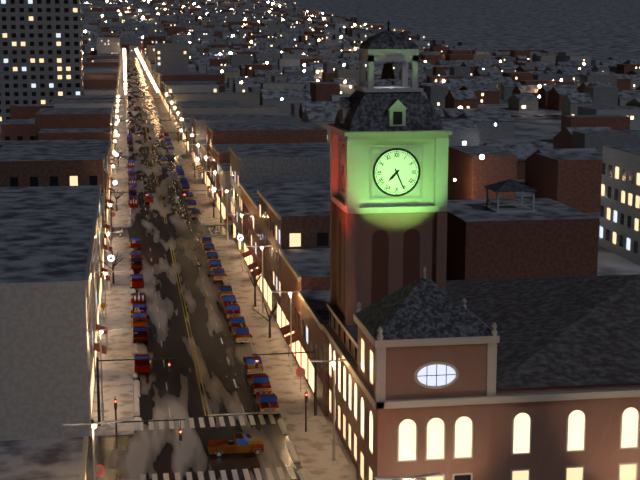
7:26
